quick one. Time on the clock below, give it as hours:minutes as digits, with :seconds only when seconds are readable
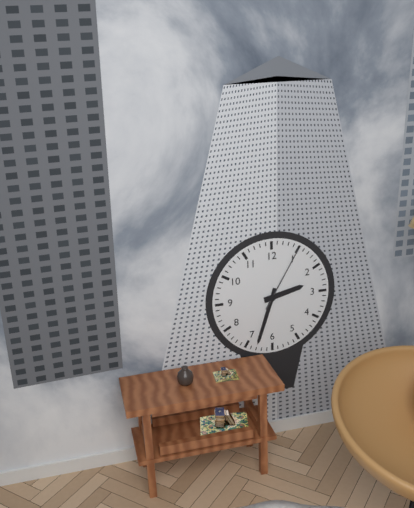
2:33:05
